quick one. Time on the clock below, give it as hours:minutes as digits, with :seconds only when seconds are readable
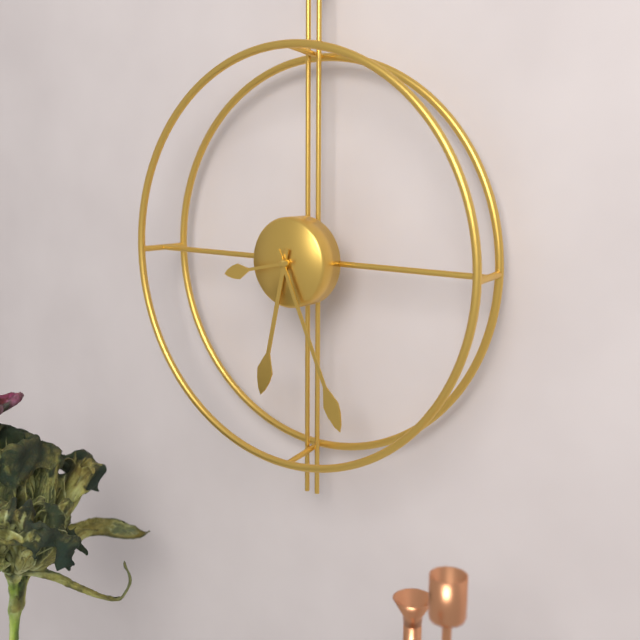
6:26:43
